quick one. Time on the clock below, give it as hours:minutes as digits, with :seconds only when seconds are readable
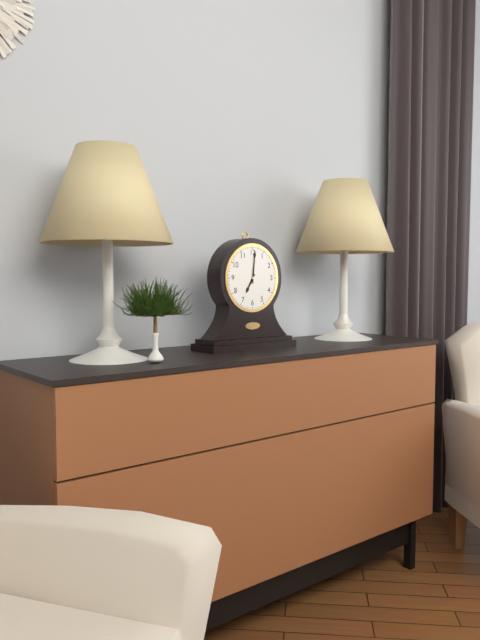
7:01
